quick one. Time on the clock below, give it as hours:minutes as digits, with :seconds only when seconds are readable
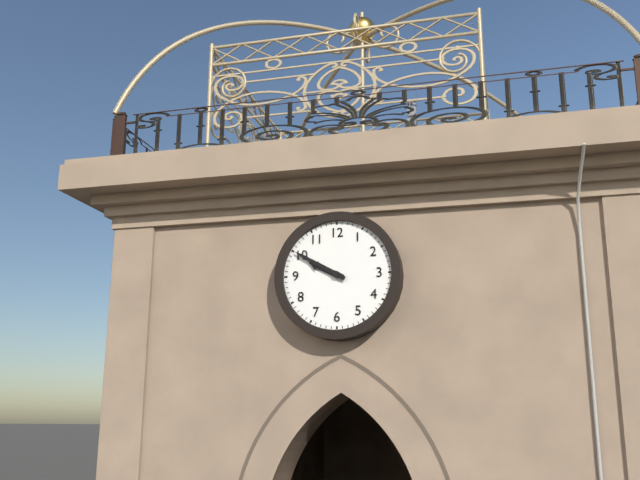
9:50
